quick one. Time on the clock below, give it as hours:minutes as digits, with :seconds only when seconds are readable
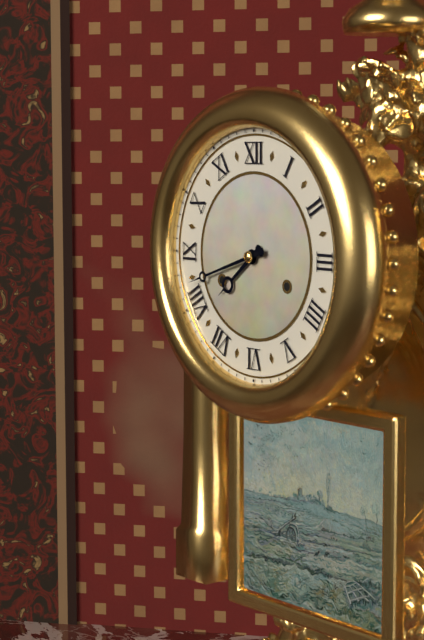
7:42
